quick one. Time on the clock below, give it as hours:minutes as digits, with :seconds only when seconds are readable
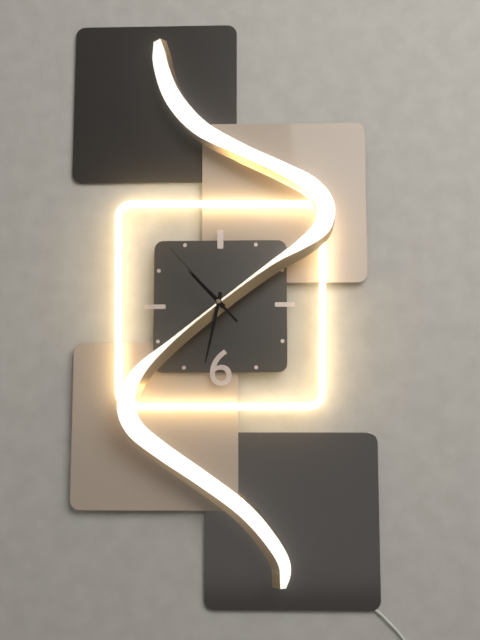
10:32:53
